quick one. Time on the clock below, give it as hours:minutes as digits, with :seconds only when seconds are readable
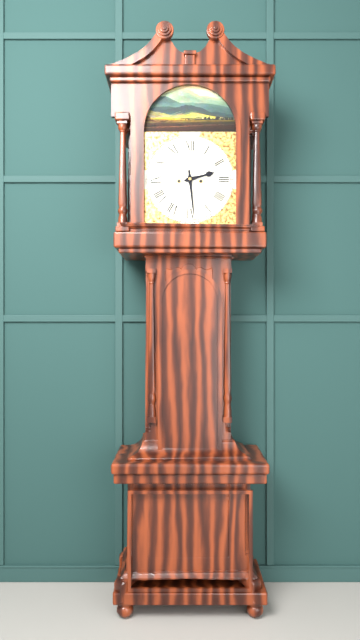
2:29
